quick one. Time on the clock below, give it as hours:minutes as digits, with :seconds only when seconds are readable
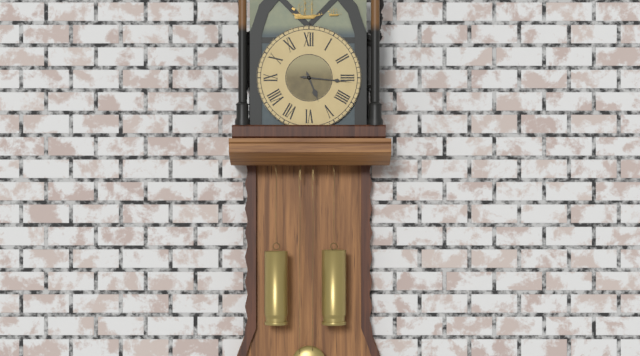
5:16
